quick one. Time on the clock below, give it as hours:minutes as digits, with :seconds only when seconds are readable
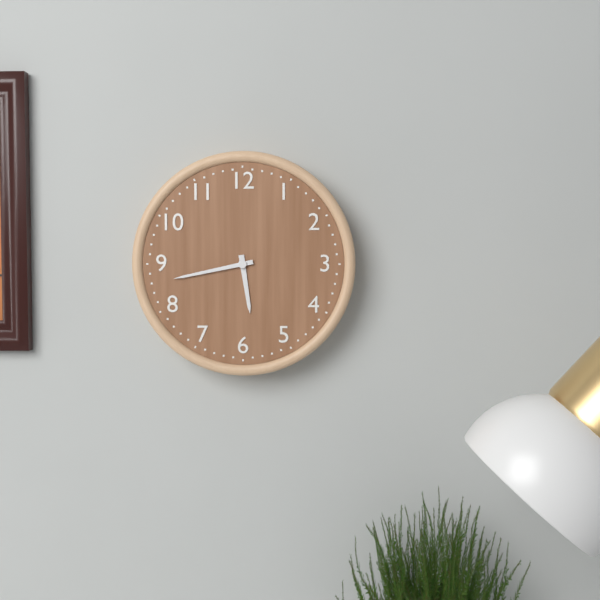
5:43
